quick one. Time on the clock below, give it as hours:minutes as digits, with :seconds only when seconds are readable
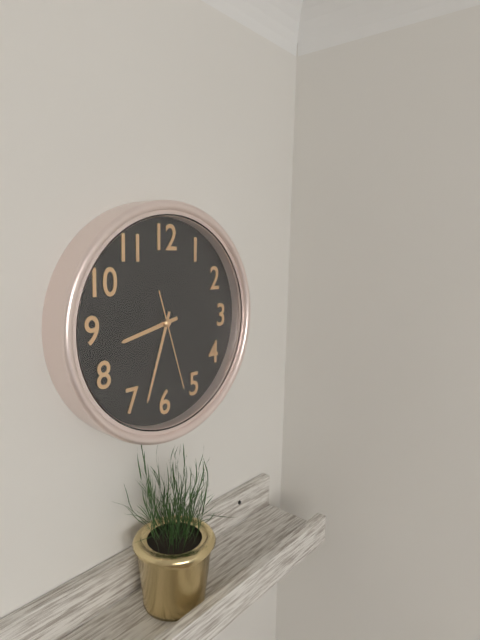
8:33:27
